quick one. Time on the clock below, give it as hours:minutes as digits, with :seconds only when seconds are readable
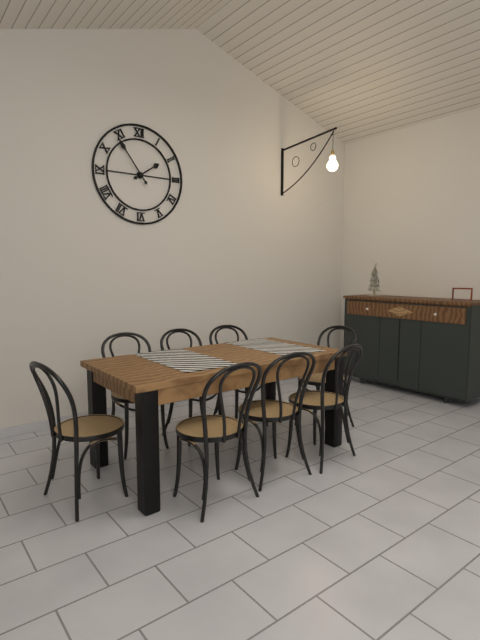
1:54
